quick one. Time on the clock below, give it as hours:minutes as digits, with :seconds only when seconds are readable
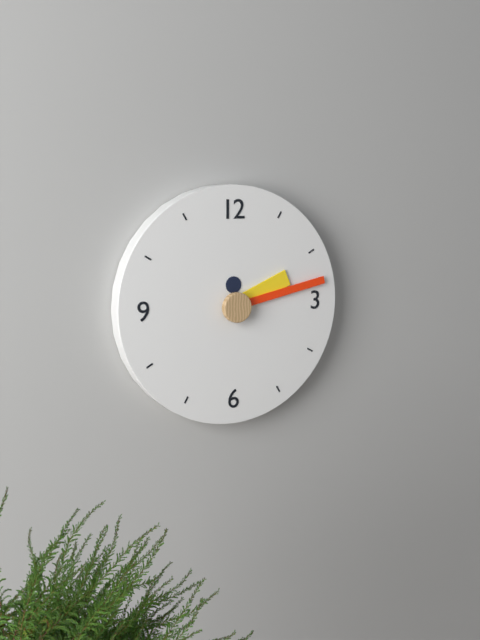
2:13
